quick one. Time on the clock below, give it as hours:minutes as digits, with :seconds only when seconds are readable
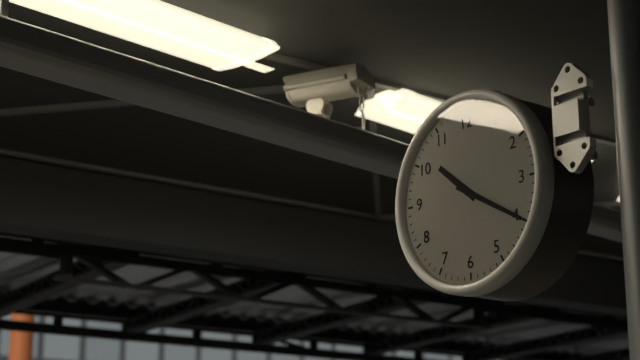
10:20
